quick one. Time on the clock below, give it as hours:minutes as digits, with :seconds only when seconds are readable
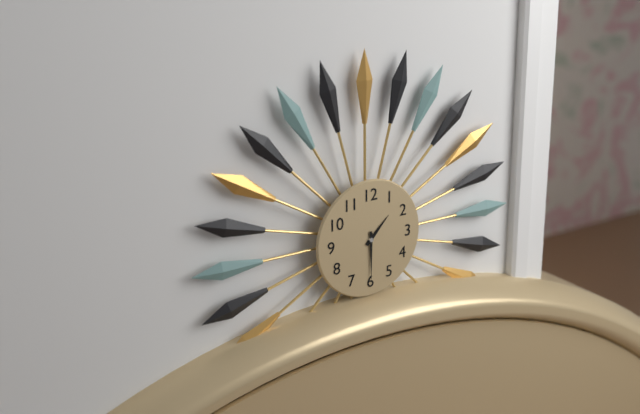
1:30
